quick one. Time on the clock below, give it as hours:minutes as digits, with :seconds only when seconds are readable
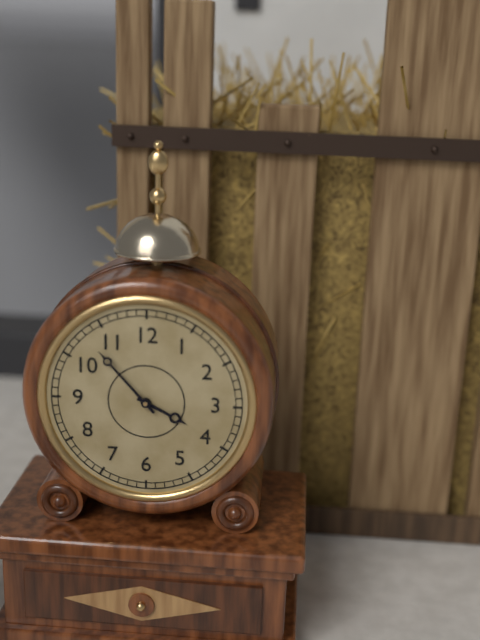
3:53
